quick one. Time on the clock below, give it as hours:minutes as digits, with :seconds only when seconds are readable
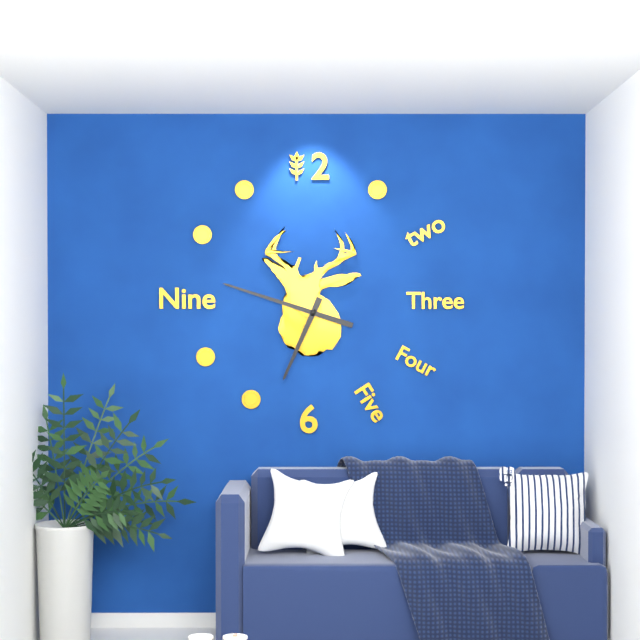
6:48
